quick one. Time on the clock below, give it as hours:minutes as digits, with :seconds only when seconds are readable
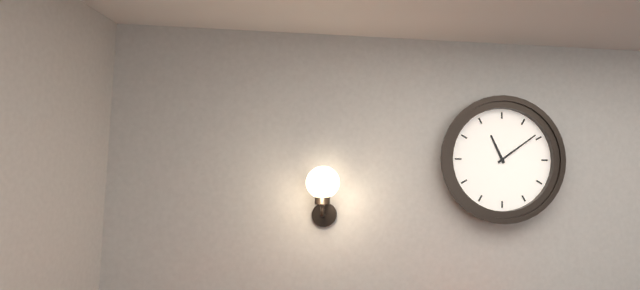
11:09
